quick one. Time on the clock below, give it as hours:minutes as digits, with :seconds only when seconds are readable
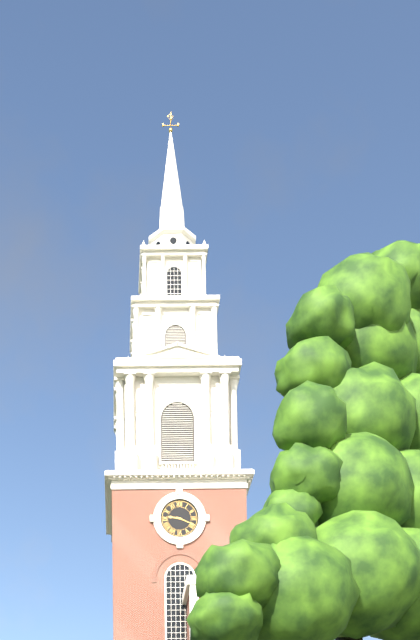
9:19
